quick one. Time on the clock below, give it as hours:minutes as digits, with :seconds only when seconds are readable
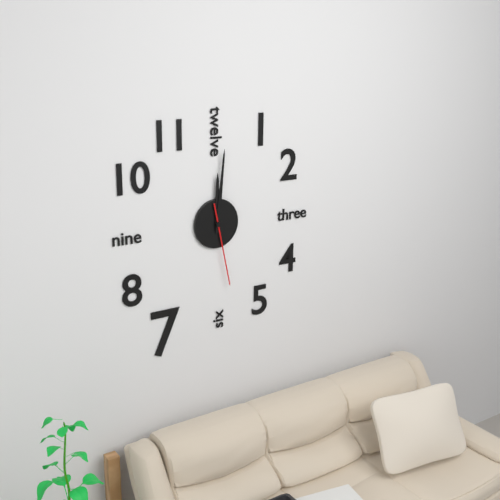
12:01:28
